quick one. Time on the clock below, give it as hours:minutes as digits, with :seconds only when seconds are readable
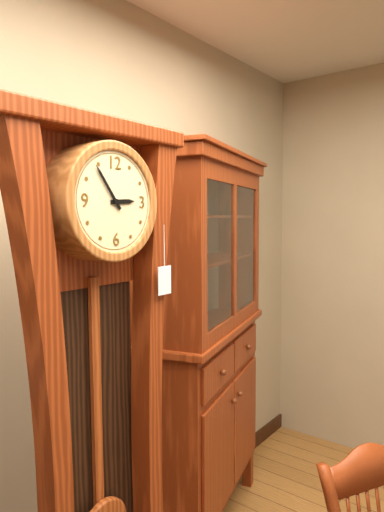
2:54
